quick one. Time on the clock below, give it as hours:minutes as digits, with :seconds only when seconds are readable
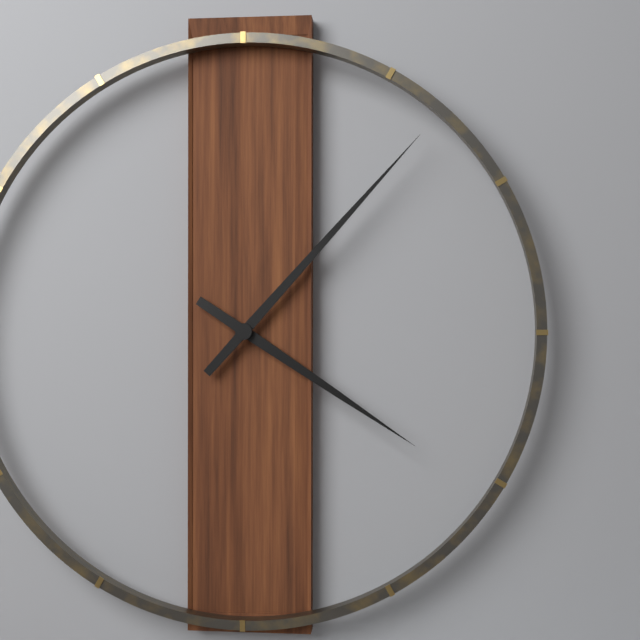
4:07
